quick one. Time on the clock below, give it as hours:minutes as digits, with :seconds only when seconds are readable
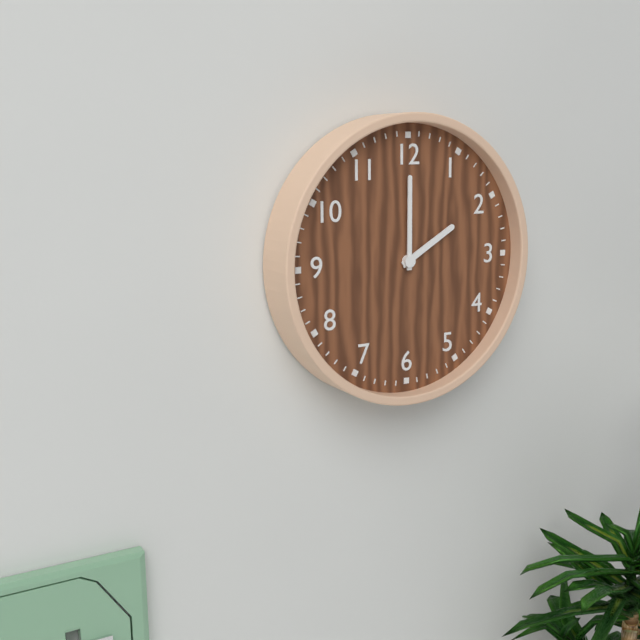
2:00
